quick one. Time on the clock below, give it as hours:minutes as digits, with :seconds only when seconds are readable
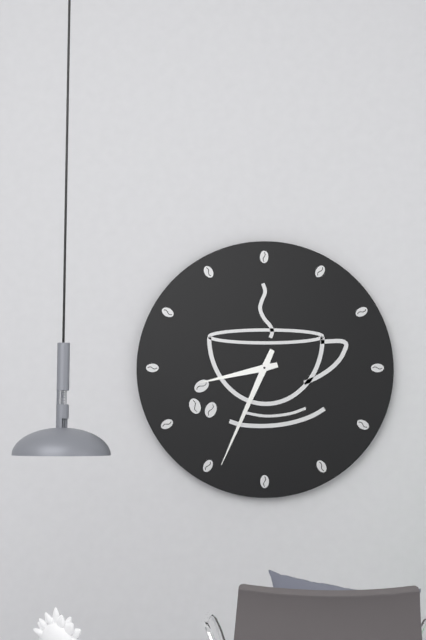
8:34
